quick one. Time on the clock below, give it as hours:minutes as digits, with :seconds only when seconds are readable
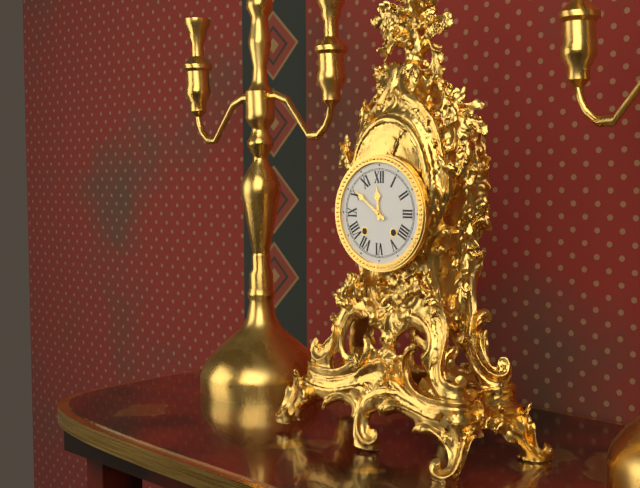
11:51
